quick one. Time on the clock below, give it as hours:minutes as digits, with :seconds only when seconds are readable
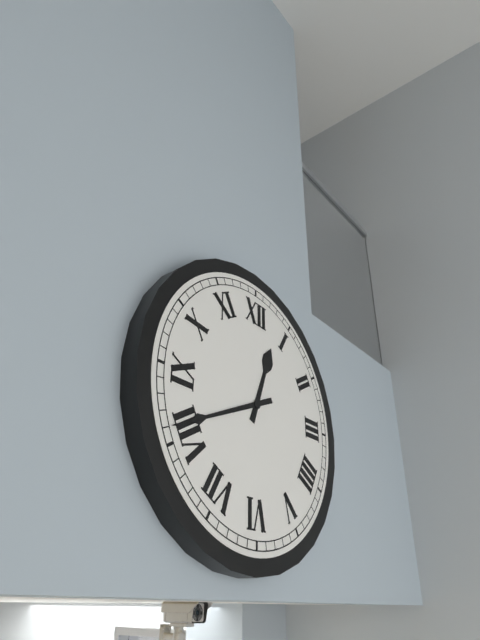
12:41
